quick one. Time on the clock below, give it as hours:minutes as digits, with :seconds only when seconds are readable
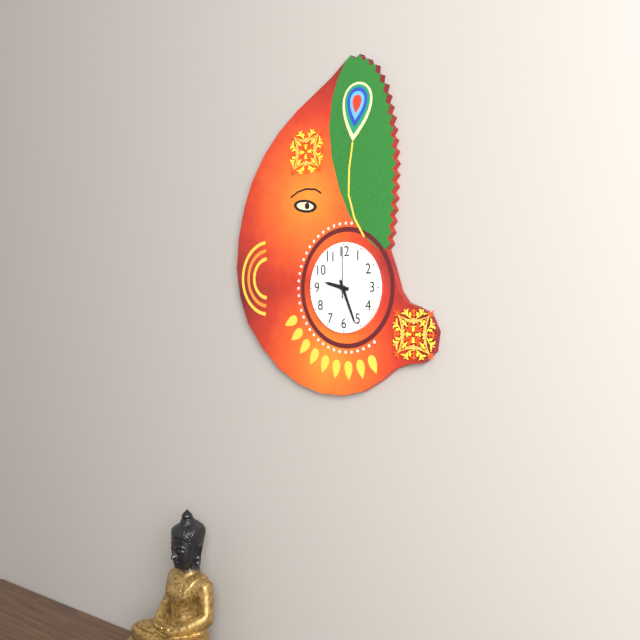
9:26:00
